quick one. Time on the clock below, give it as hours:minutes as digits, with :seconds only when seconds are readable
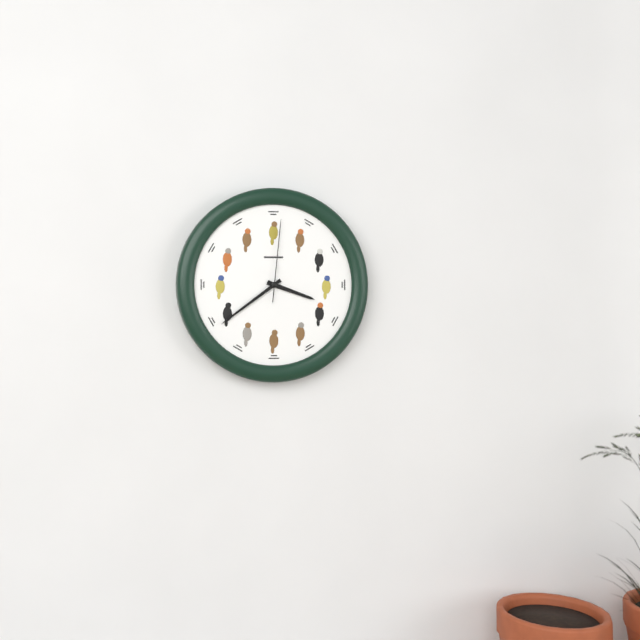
3:39:01
